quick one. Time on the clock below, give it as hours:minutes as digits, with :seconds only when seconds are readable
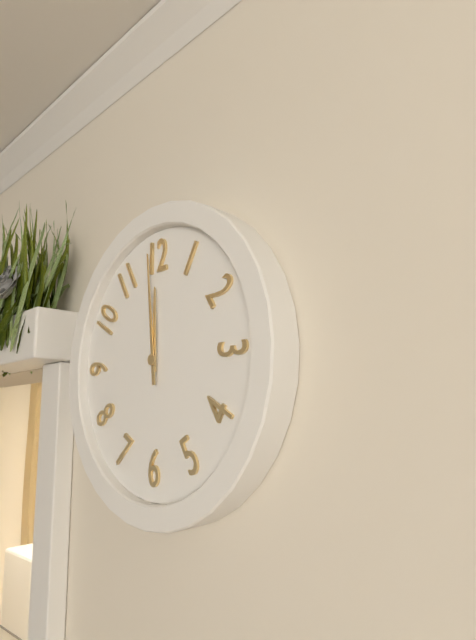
11:59
